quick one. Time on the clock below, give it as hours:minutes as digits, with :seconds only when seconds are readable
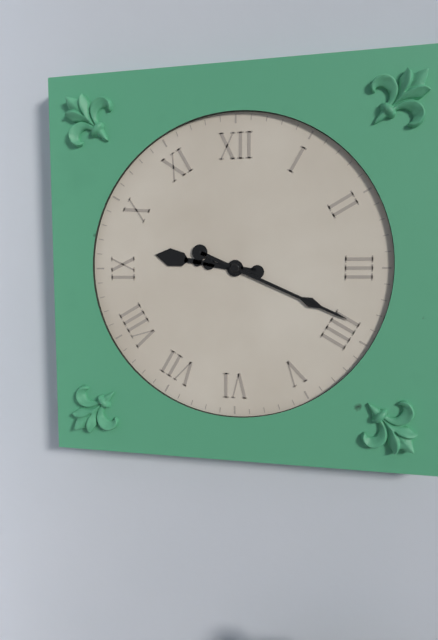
9:19
